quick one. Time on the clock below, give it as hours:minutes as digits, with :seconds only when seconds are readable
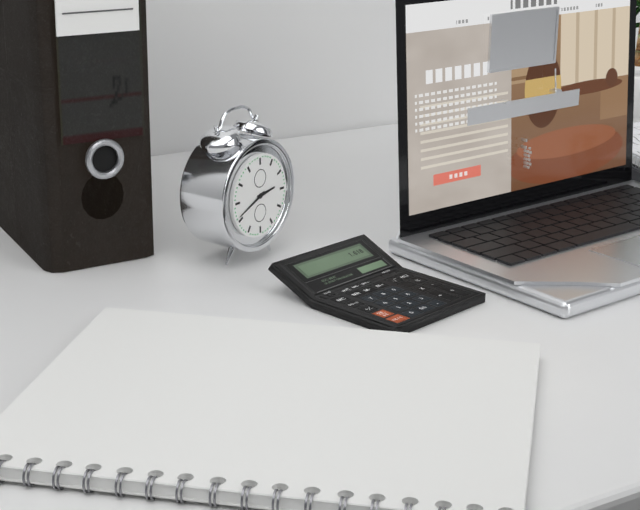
2:41
